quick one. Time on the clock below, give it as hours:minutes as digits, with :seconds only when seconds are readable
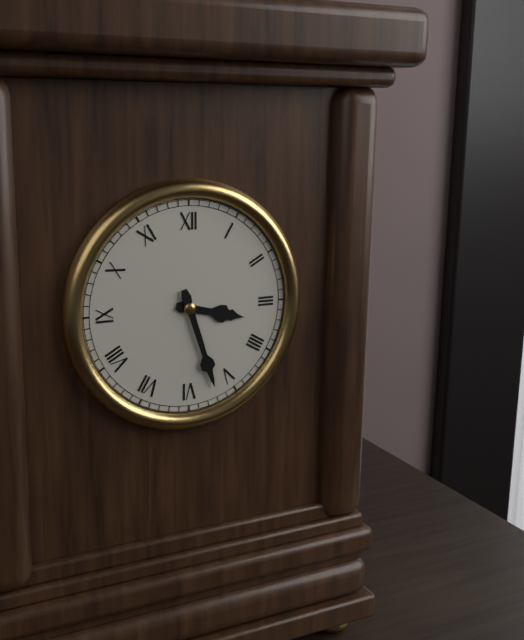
3:27
